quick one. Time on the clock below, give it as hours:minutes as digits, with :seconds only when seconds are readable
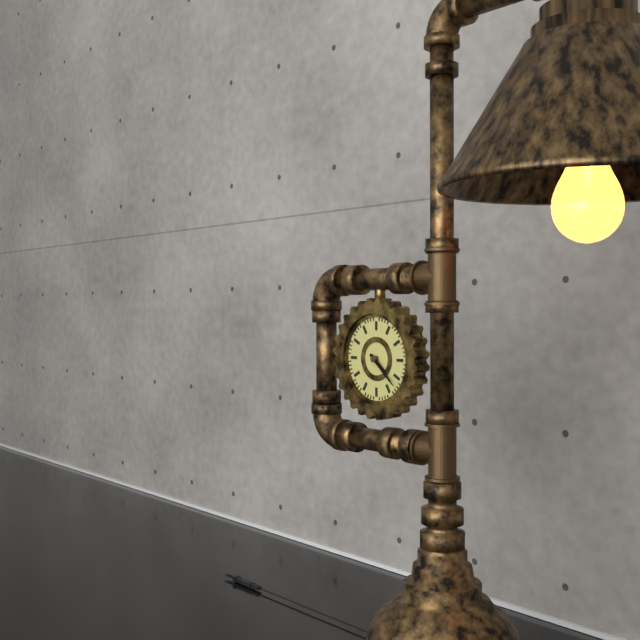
4:22
